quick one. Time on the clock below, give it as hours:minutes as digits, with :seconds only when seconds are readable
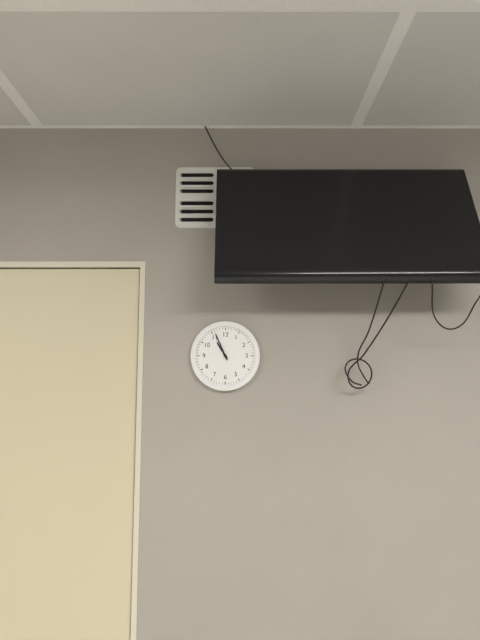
10:56
